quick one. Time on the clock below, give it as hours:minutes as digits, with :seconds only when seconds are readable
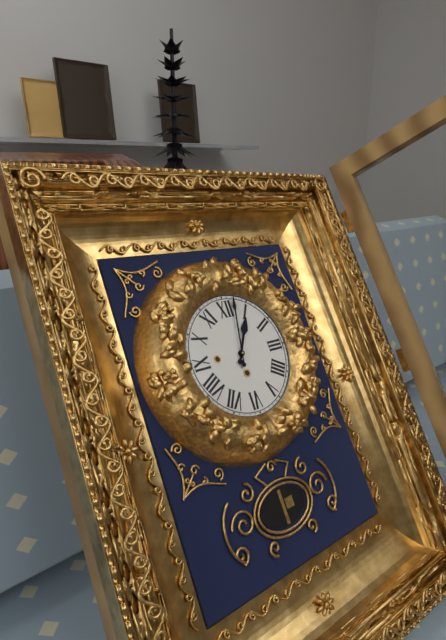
1:02
